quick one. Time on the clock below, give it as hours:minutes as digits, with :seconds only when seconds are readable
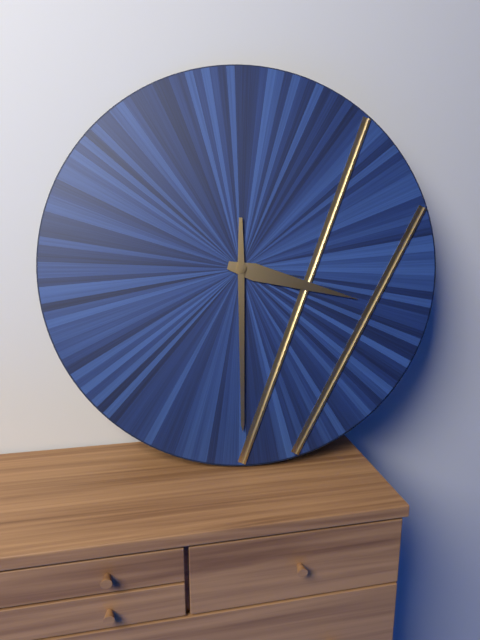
3:30
